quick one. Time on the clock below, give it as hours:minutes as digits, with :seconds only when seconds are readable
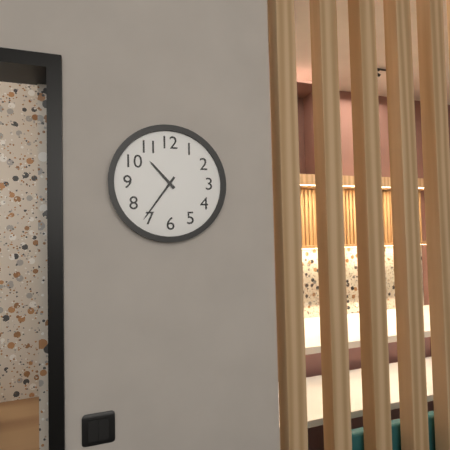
10:36
